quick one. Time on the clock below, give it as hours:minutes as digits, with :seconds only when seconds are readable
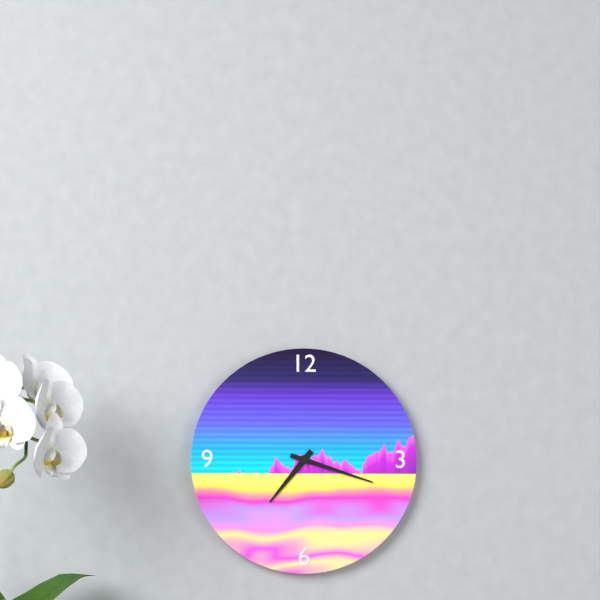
7:18
